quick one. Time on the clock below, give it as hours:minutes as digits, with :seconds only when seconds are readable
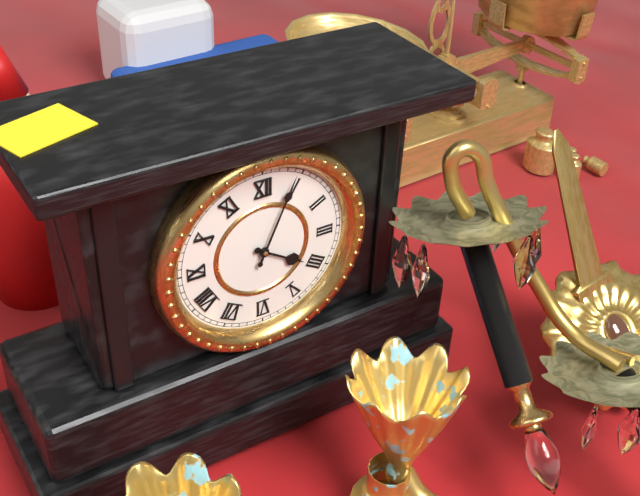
4:04
